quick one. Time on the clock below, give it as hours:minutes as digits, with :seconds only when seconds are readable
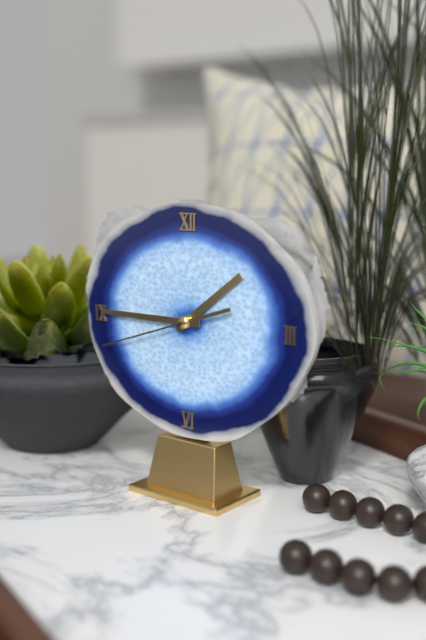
1:45:42
